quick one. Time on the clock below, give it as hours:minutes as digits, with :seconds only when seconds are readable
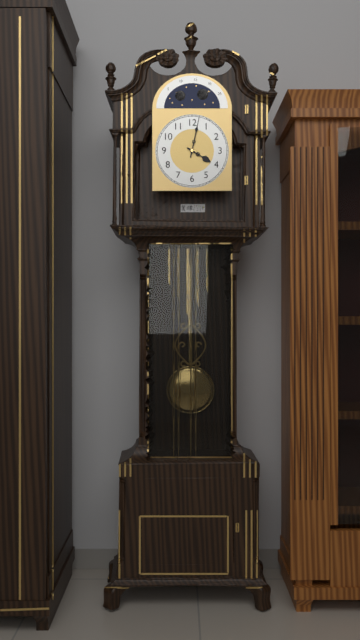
4:02
